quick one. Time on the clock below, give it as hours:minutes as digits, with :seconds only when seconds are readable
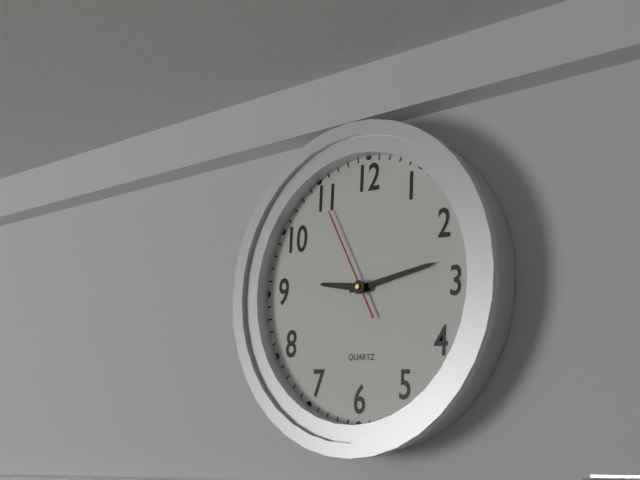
9:13:55
